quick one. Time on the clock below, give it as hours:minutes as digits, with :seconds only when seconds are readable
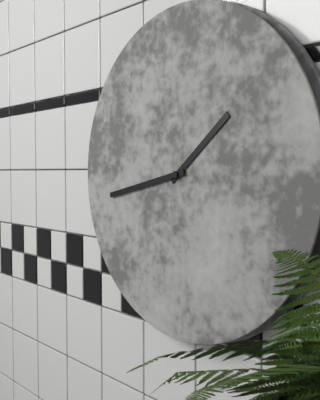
1:43
